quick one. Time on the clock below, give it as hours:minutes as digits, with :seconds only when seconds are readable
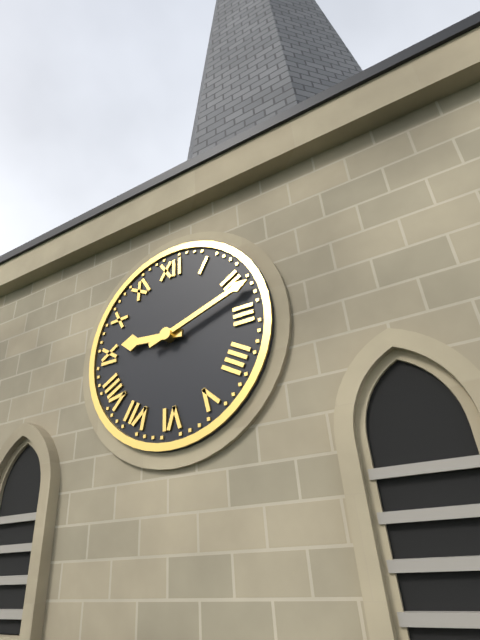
9:12
